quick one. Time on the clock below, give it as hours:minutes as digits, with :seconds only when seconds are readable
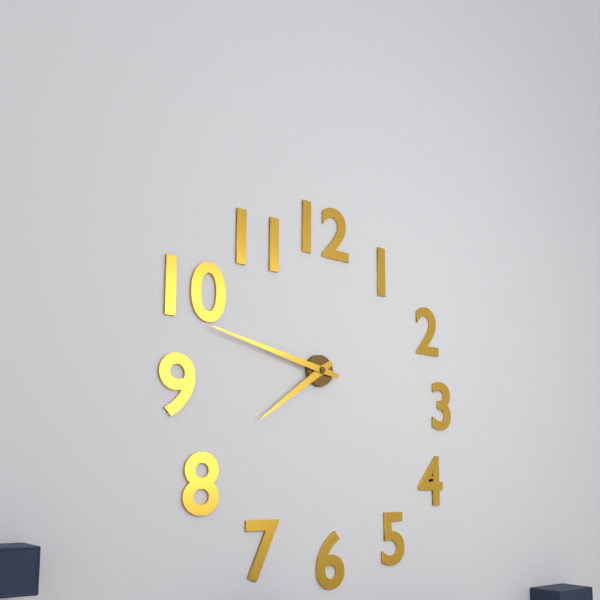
7:47
